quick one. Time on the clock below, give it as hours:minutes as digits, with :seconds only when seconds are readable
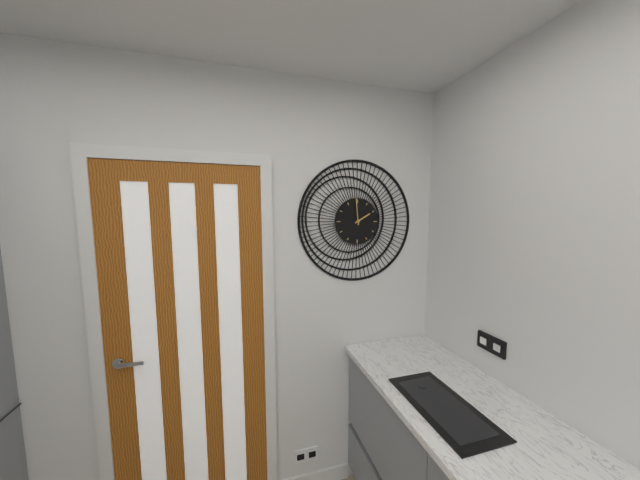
1:59
